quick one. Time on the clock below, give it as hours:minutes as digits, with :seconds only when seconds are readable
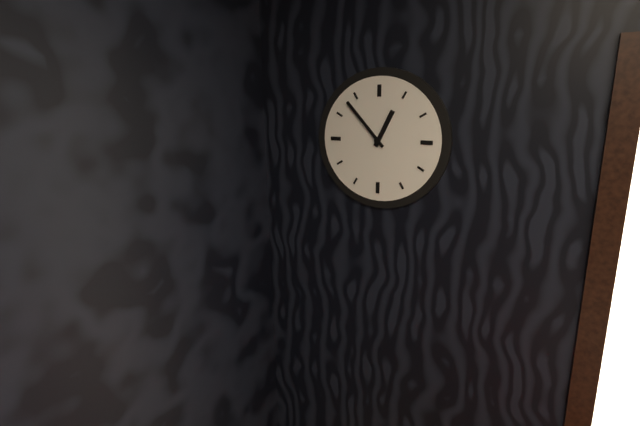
12:53
